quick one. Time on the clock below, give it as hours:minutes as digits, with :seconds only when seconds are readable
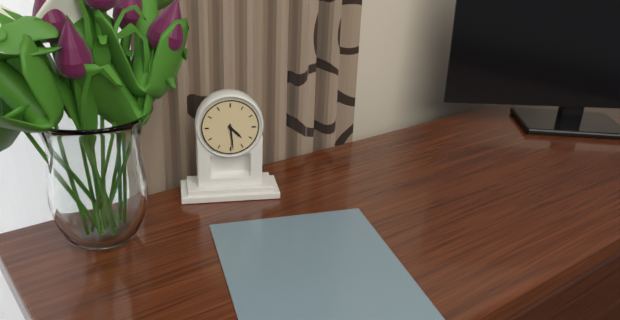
4:29
